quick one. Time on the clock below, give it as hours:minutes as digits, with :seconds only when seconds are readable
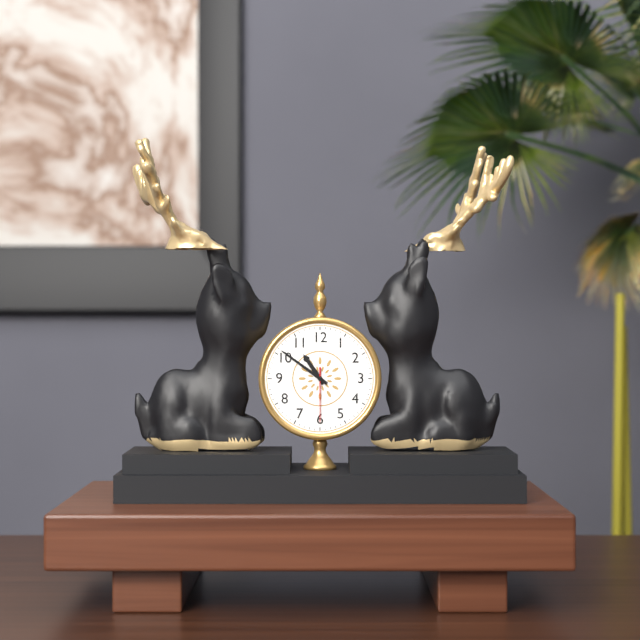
10:51:30
